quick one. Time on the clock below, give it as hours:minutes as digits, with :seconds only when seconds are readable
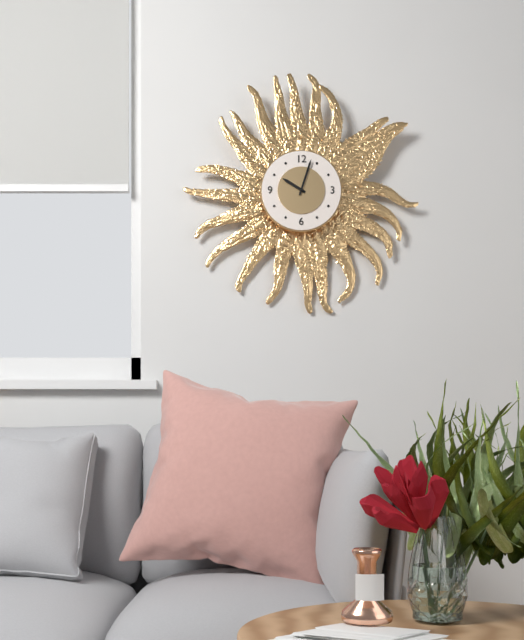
10:03
